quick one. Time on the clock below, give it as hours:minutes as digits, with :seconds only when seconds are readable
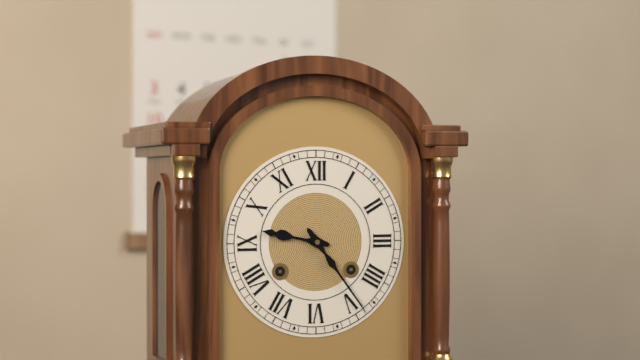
9:24
